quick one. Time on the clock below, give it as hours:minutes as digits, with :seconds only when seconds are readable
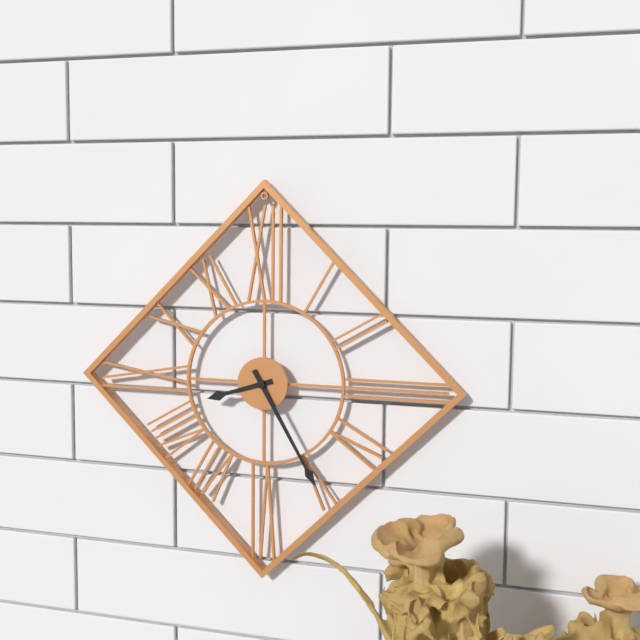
8:25
